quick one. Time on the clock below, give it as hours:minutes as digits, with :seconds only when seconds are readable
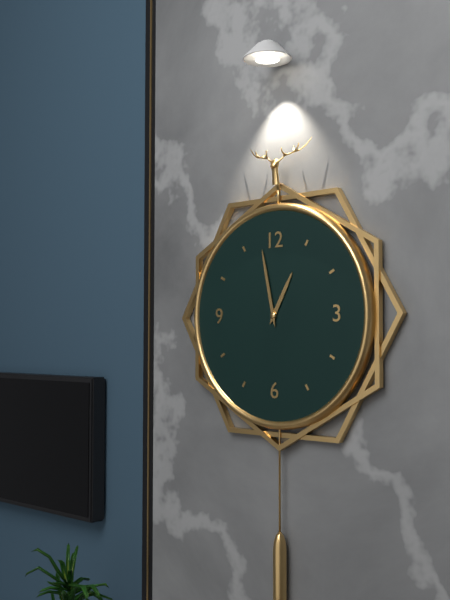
12:58
